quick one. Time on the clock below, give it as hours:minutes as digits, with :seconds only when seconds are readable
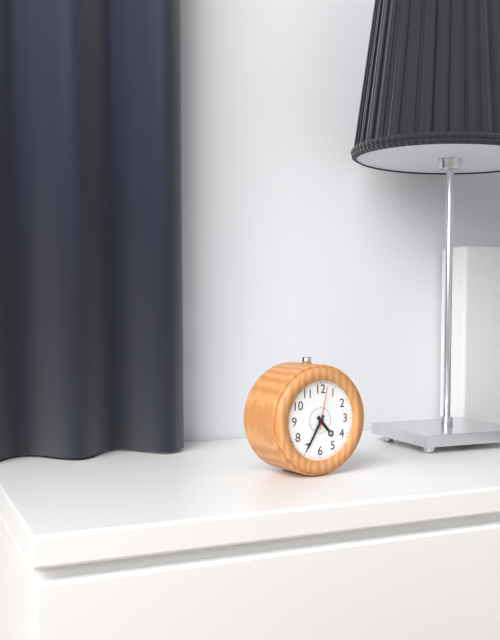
4:35
